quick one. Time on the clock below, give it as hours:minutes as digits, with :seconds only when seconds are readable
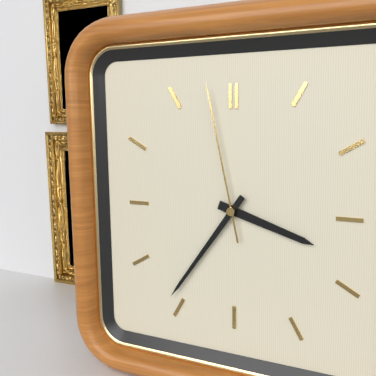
3:36:58
